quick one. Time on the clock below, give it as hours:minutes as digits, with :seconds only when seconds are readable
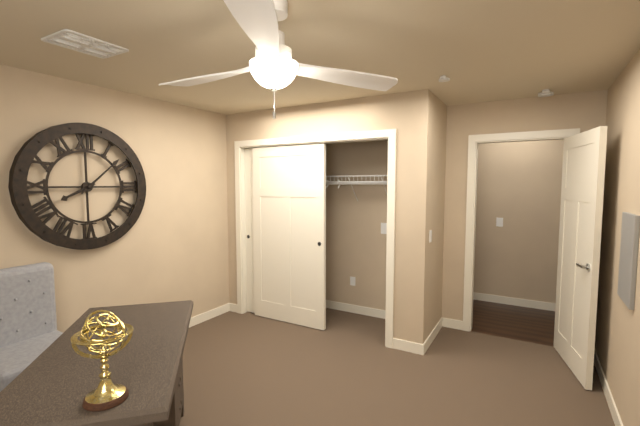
8:08
